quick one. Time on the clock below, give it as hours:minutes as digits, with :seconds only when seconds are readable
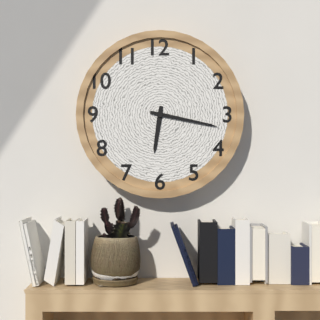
6:17
